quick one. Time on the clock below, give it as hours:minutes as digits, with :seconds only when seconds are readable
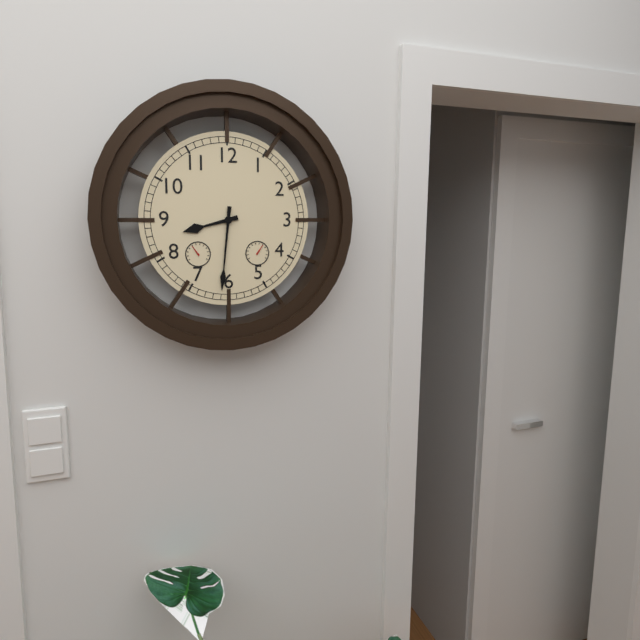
8:31
